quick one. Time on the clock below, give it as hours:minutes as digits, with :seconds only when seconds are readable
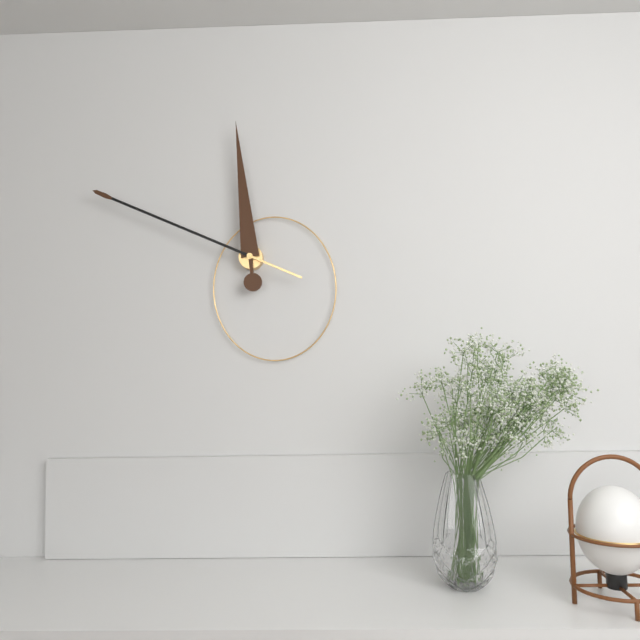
11:49
